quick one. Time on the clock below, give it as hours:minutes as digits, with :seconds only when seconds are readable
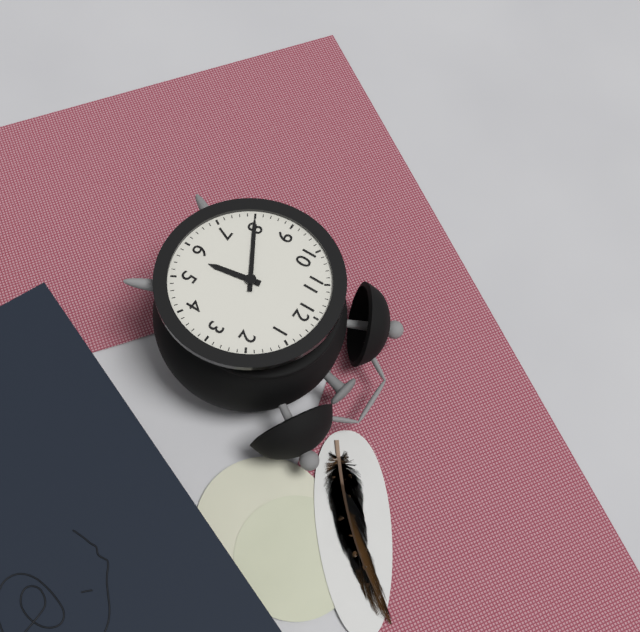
5:40
